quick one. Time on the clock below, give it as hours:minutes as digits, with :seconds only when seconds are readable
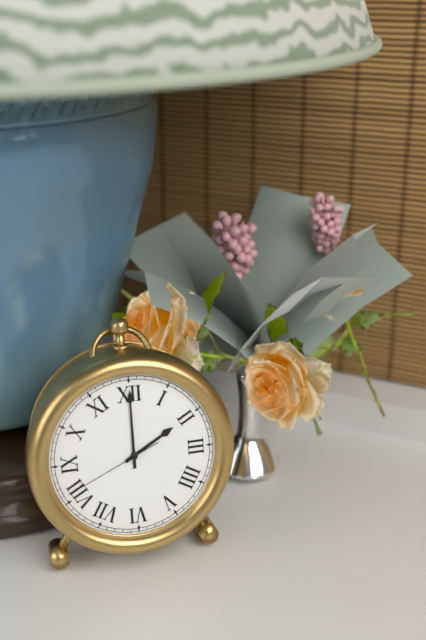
2:00:41
